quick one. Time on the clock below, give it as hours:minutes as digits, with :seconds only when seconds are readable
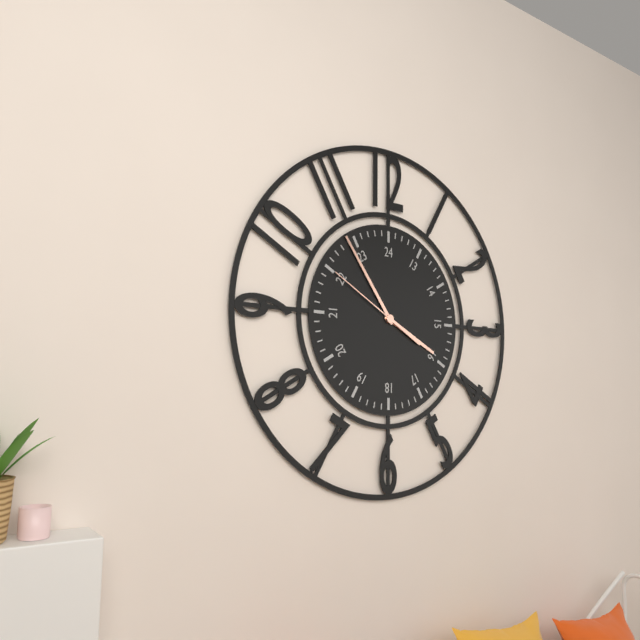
3:54:50
